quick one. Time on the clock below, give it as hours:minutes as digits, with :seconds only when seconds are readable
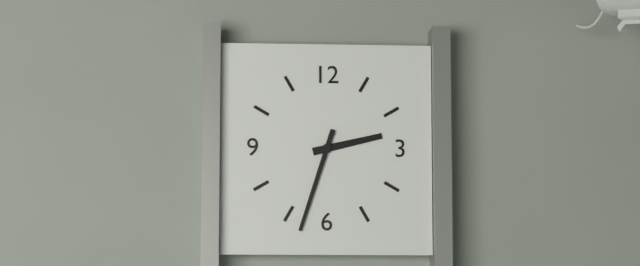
2:33
